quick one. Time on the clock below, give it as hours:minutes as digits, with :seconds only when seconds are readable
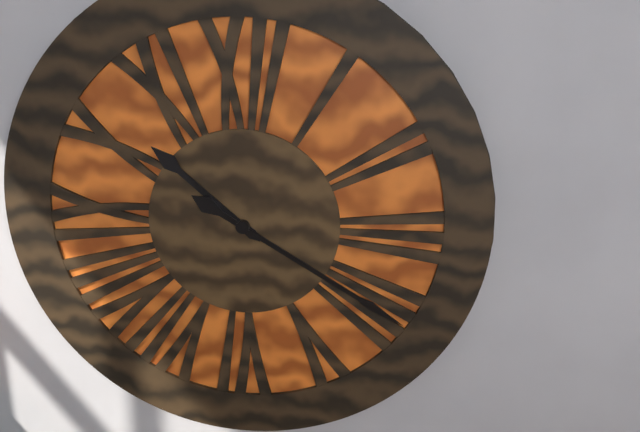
10:20
